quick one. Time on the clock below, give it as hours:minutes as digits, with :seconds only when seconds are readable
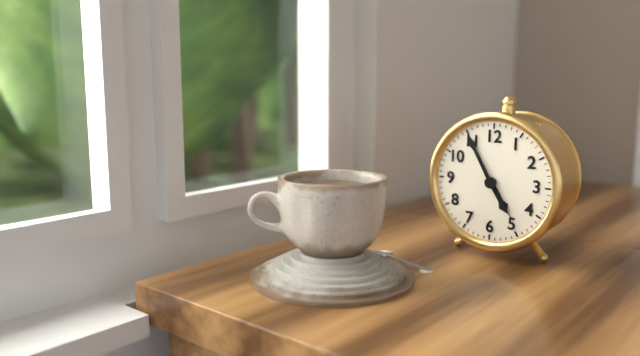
4:55:24
